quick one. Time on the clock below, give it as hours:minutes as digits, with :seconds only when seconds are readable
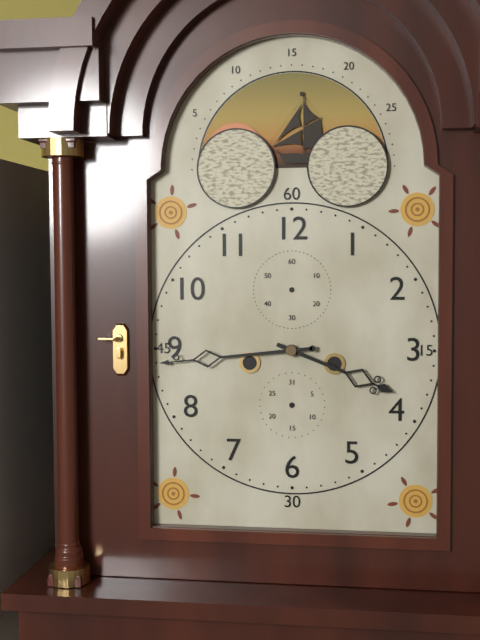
3:44
